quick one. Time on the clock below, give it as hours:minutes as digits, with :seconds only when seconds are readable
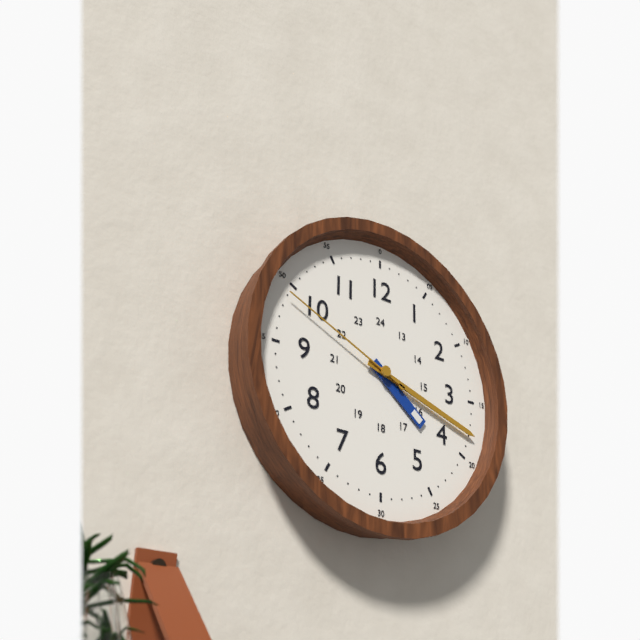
4:18:49
